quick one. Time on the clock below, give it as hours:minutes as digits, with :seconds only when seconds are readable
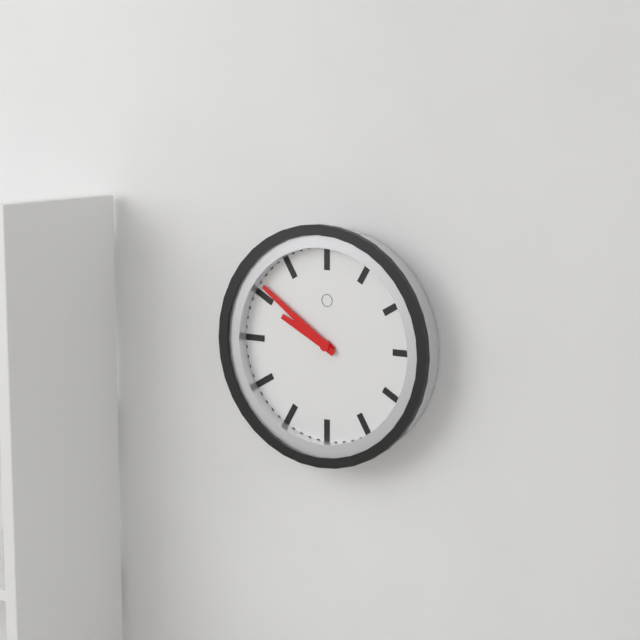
9:51
